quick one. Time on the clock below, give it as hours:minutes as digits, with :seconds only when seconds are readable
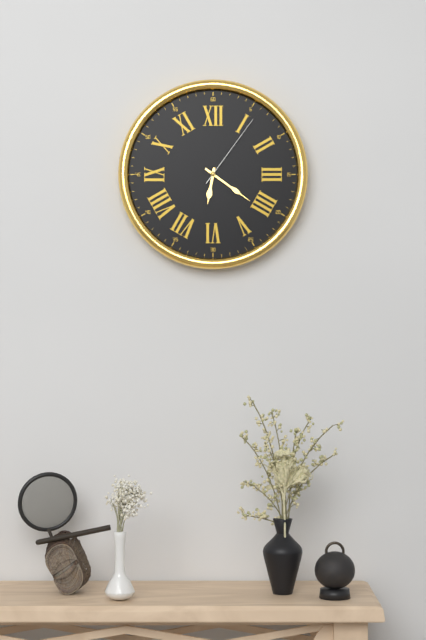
6:21:06
